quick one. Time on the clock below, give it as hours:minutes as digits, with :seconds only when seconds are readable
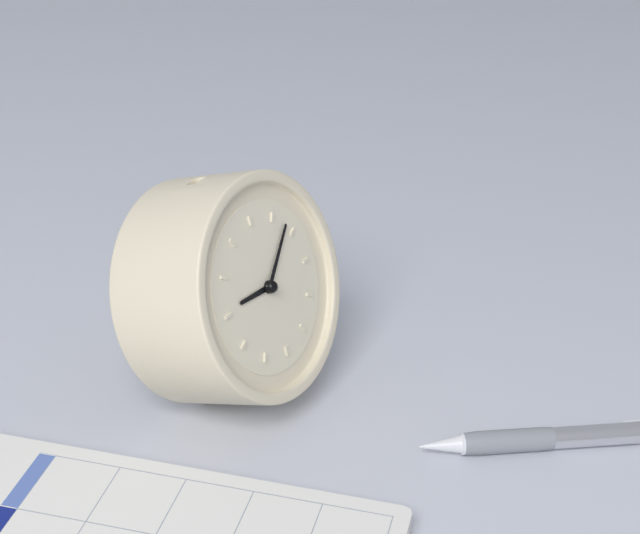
9:08
